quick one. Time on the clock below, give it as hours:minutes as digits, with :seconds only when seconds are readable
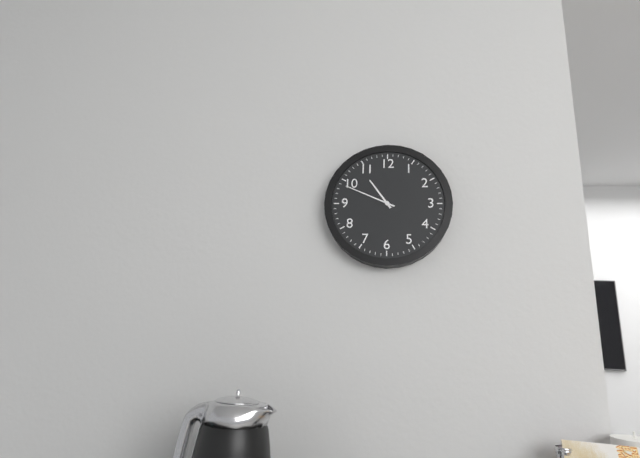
10:49
